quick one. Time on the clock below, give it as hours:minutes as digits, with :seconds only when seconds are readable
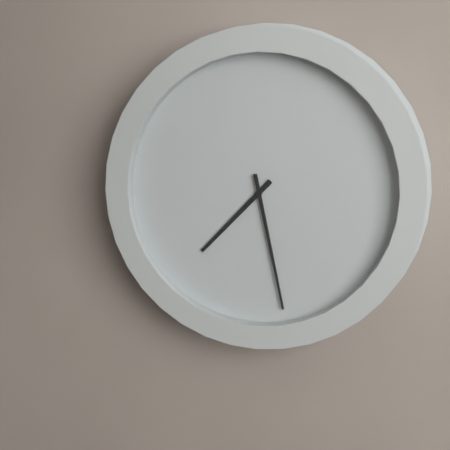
7:28
